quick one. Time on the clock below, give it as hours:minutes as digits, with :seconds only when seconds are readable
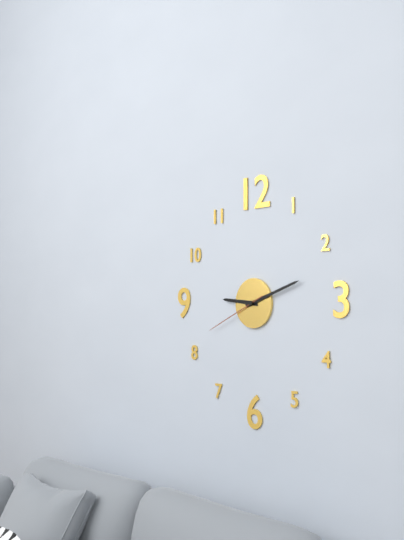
9:12:41
